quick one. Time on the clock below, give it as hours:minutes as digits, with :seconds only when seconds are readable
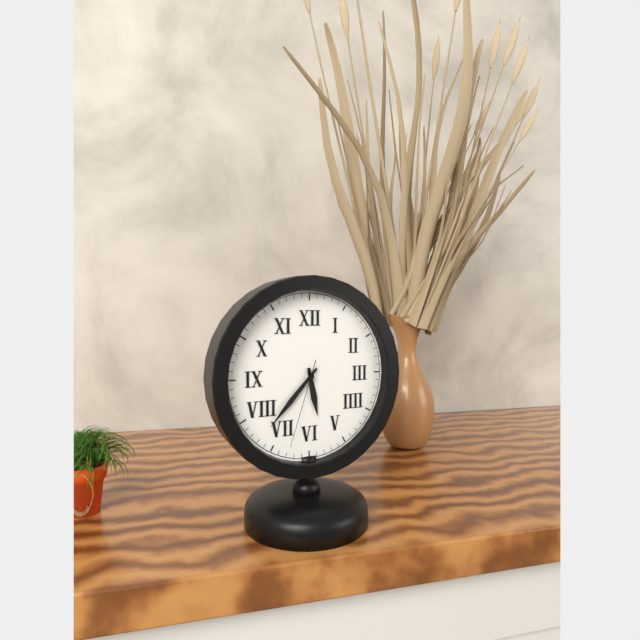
5:37:33
